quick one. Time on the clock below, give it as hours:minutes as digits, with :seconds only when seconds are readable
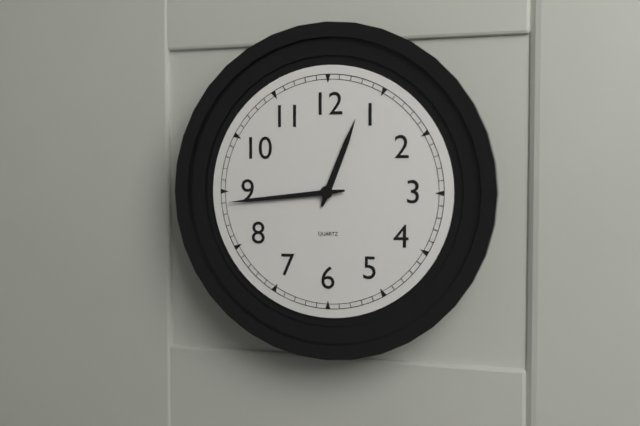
12:44
